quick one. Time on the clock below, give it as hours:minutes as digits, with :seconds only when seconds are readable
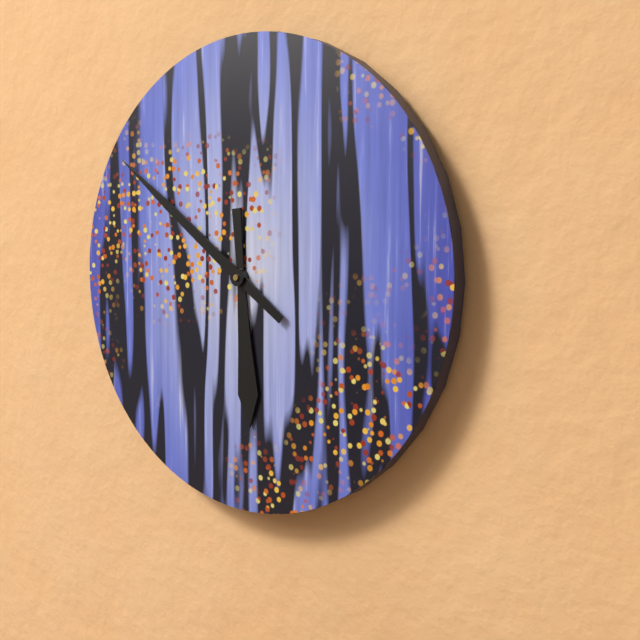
5:51
